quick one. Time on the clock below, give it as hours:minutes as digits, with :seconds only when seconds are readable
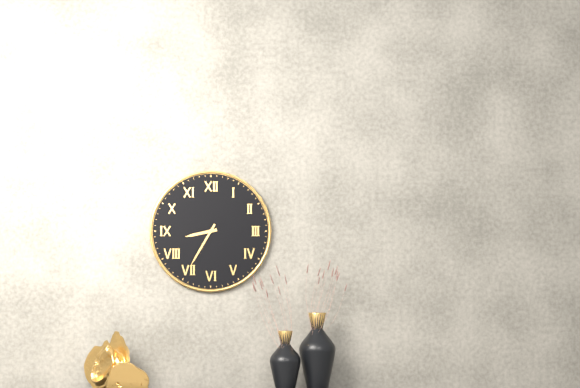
8:35
